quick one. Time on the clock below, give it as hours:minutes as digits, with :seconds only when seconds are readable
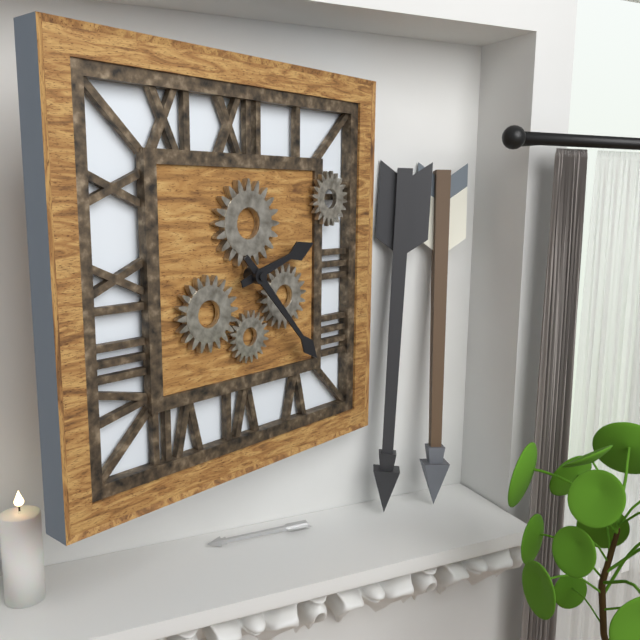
2:23
